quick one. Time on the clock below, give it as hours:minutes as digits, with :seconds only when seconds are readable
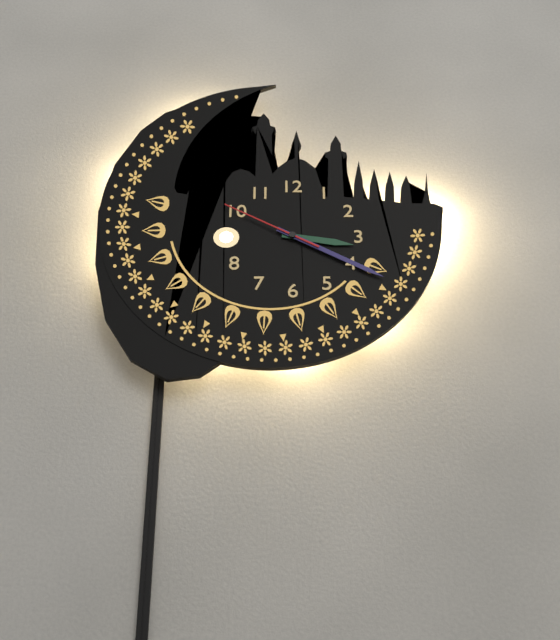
3:20:50
